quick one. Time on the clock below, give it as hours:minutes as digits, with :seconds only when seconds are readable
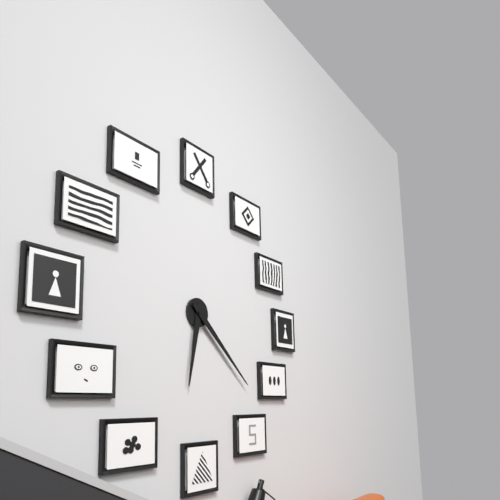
6:22
